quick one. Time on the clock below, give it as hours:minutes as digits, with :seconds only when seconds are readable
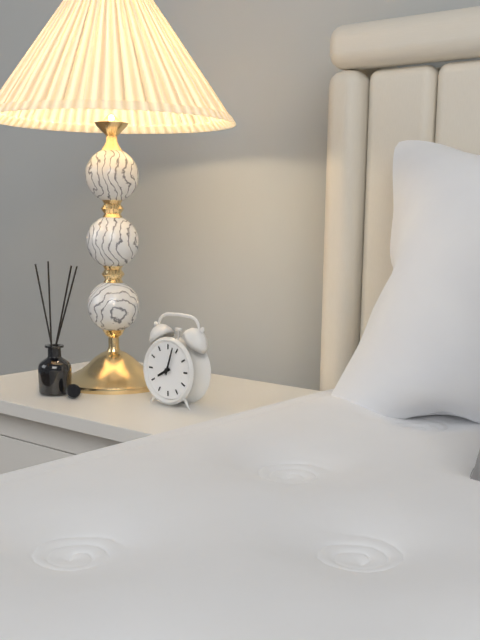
8:03
